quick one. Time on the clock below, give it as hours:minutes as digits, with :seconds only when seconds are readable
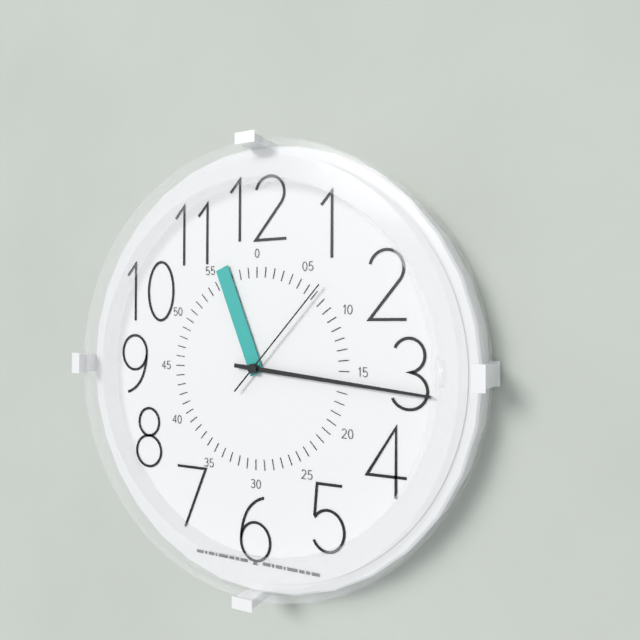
11:16:07
